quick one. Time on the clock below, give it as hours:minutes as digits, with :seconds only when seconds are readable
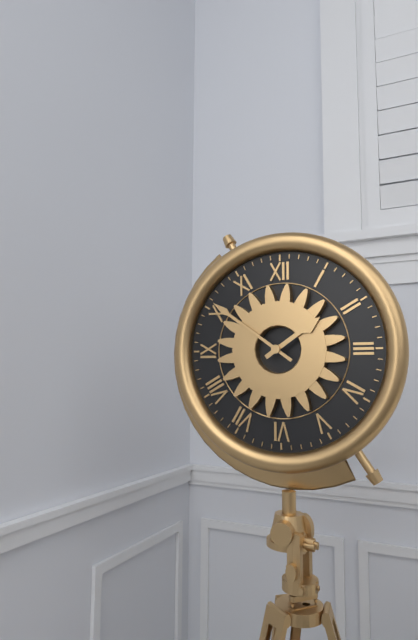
1:51
